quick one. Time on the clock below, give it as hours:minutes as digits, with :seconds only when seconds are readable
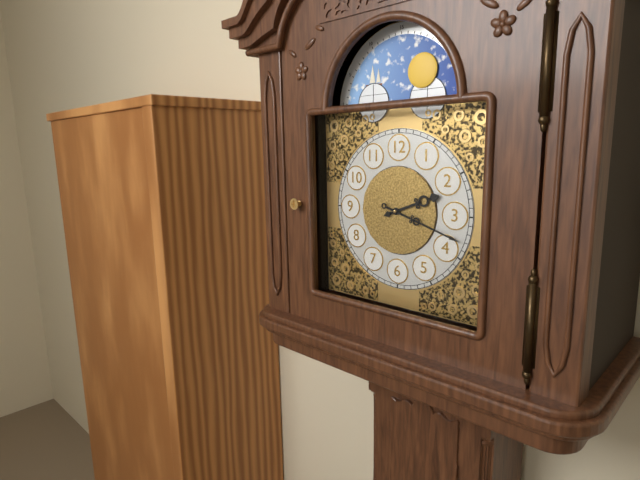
2:18
